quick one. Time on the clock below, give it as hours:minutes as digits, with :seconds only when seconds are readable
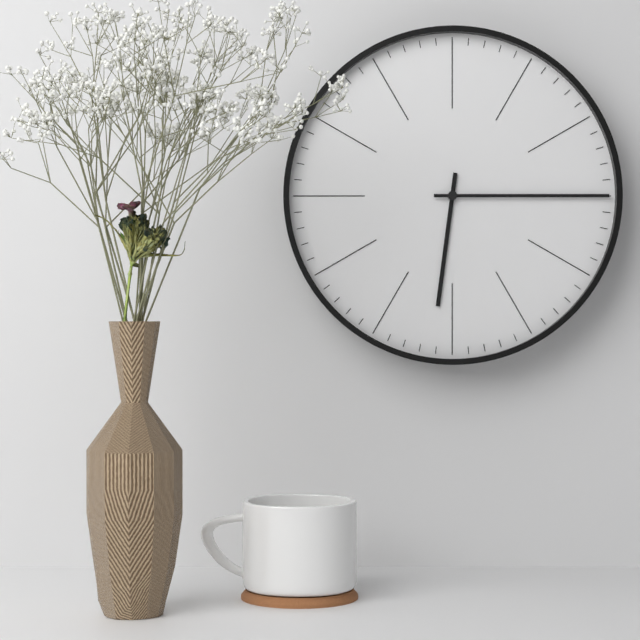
6:15
